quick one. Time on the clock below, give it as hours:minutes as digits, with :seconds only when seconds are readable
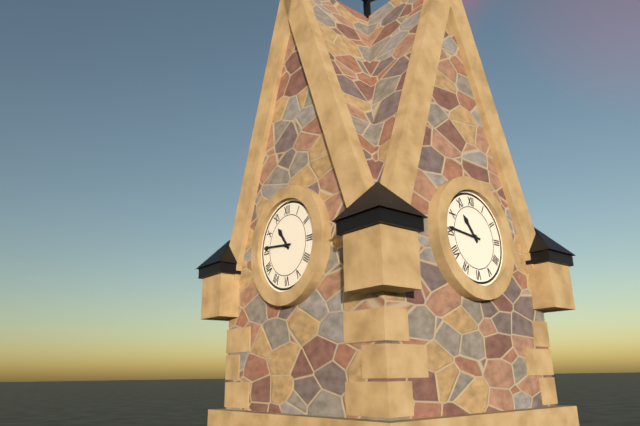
10:46
